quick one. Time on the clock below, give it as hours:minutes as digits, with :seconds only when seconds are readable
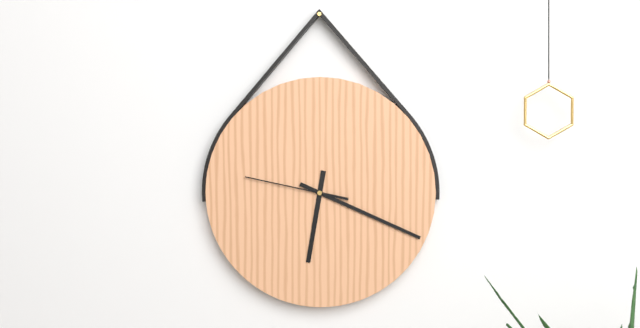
6:19:47
